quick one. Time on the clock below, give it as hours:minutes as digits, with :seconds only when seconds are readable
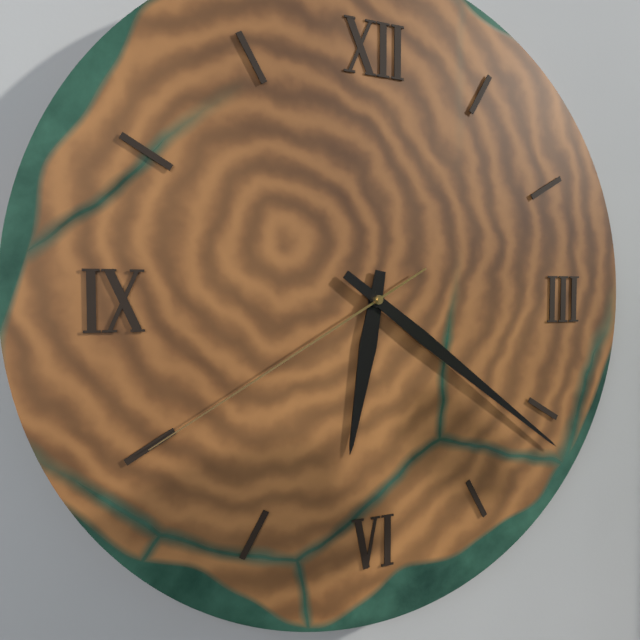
6:21:40
